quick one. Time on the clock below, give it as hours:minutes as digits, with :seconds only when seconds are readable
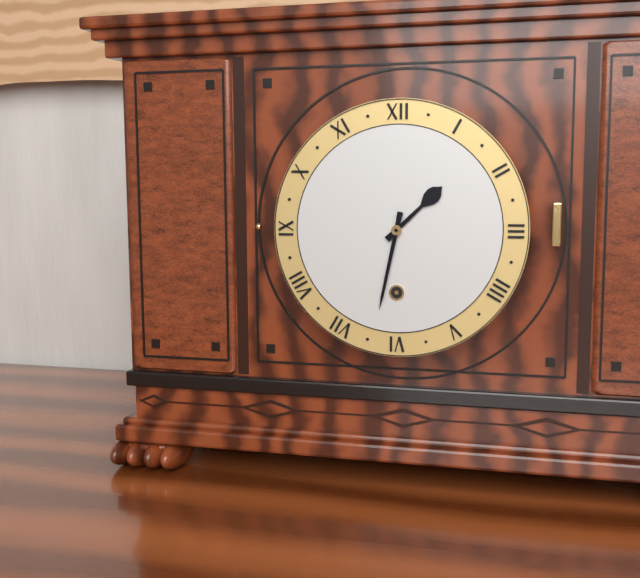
1:32
